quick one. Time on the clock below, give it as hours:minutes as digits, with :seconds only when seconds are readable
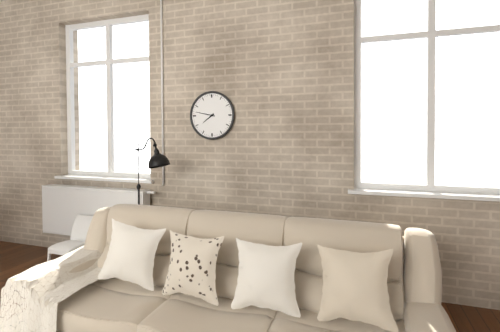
7:47
